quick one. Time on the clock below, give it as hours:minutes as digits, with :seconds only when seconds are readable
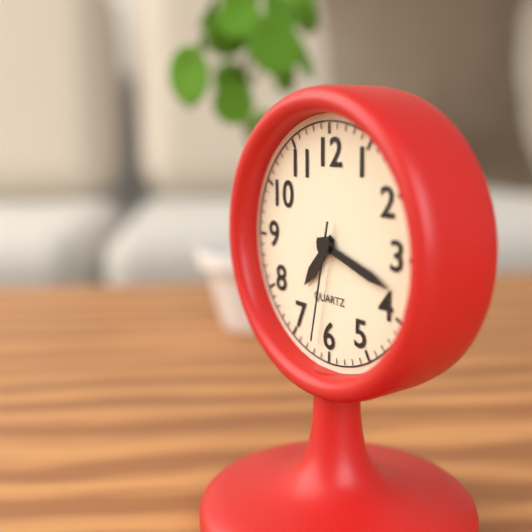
7:18:32
